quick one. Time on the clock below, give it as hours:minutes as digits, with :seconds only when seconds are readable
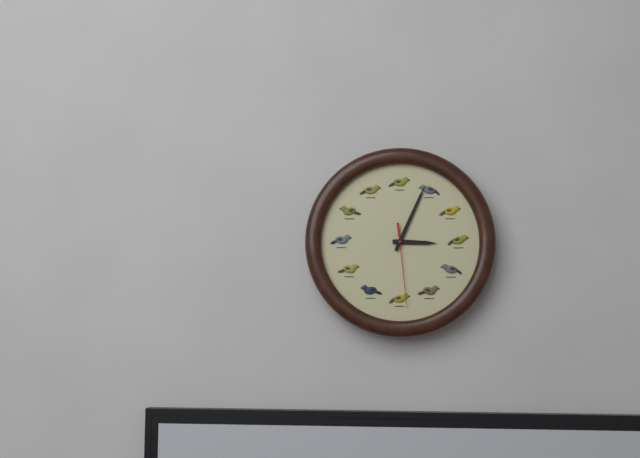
3:04:29
